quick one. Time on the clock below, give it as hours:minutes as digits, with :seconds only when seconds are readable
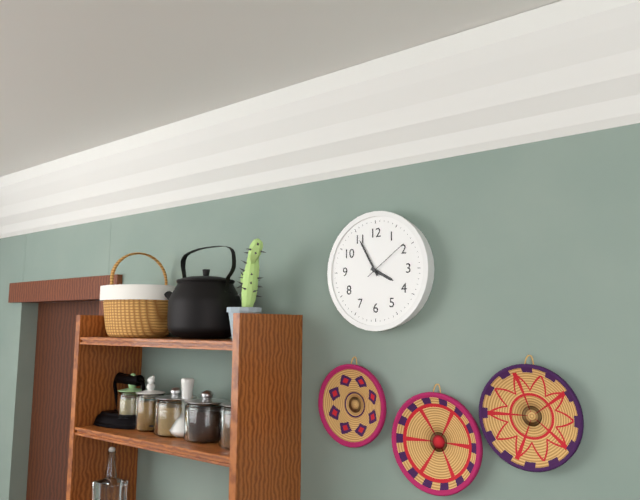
3:55
